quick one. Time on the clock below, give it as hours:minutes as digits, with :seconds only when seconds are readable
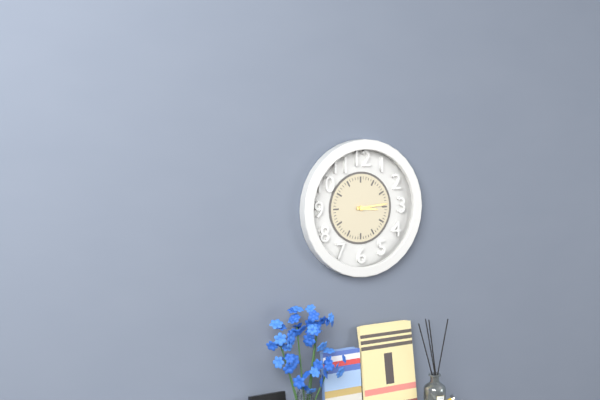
3:14
